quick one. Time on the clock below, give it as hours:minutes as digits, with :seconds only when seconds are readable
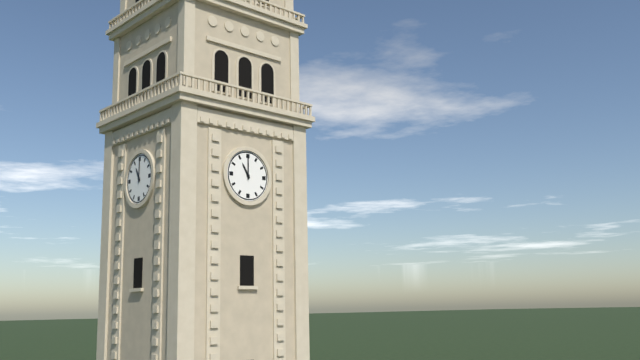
11:00
